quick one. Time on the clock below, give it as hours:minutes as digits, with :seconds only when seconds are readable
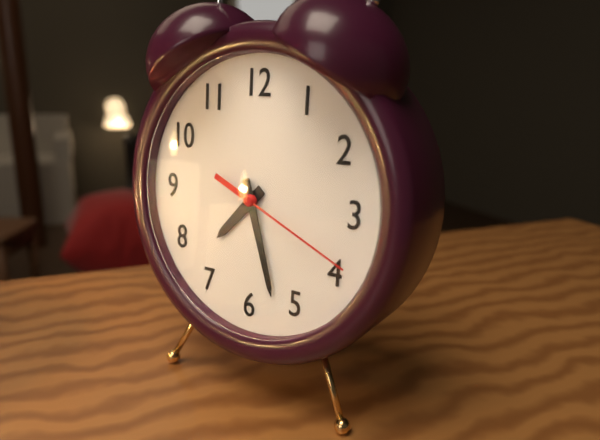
7:27:19
